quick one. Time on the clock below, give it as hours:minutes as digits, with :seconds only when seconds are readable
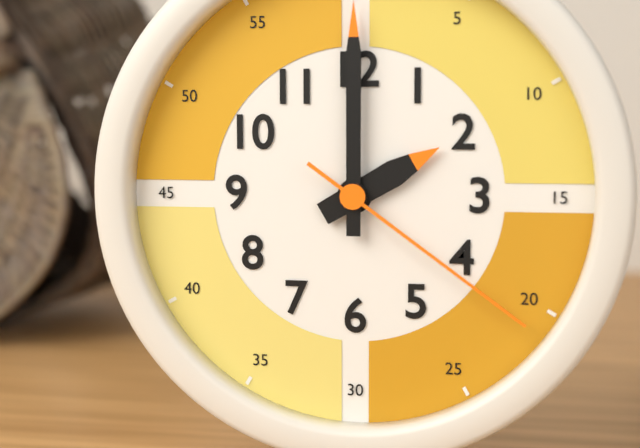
2:00:21
